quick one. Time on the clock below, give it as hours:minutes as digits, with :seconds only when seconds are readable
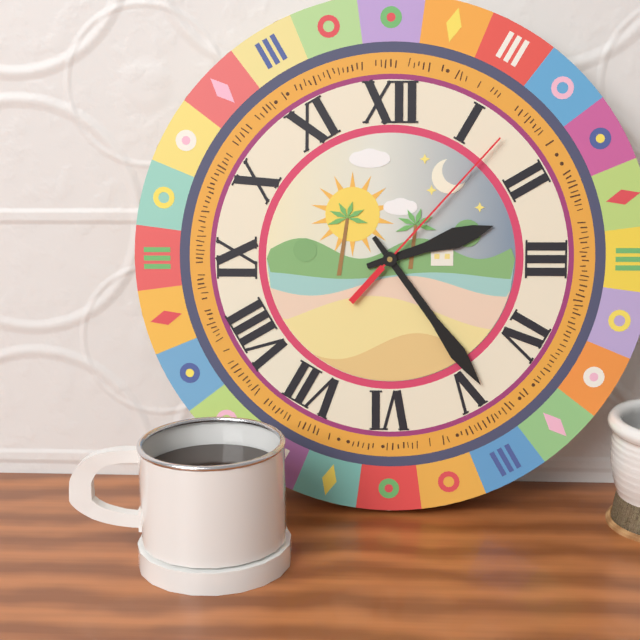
2:24:07
